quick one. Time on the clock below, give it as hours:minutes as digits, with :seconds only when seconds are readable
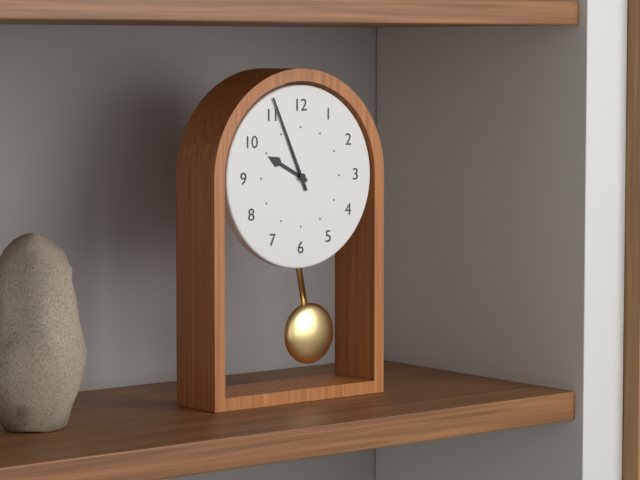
9:56
